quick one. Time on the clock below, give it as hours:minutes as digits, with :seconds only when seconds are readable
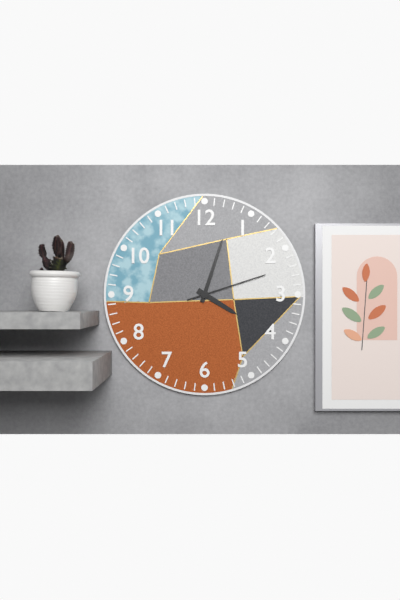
4:03:12
